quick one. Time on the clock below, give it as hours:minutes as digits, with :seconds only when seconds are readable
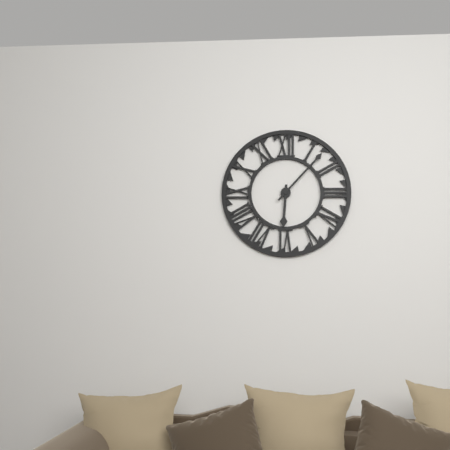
6:07
